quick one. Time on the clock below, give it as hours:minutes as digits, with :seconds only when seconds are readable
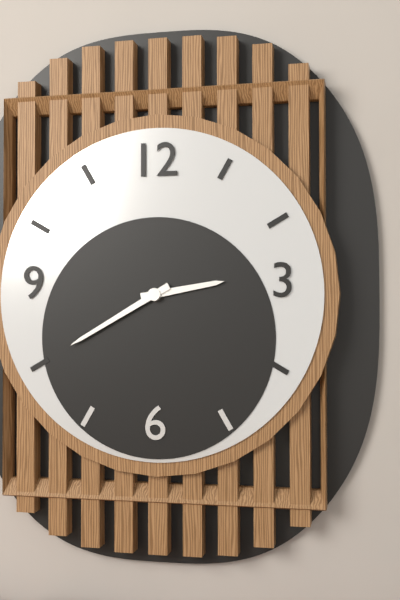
2:40
